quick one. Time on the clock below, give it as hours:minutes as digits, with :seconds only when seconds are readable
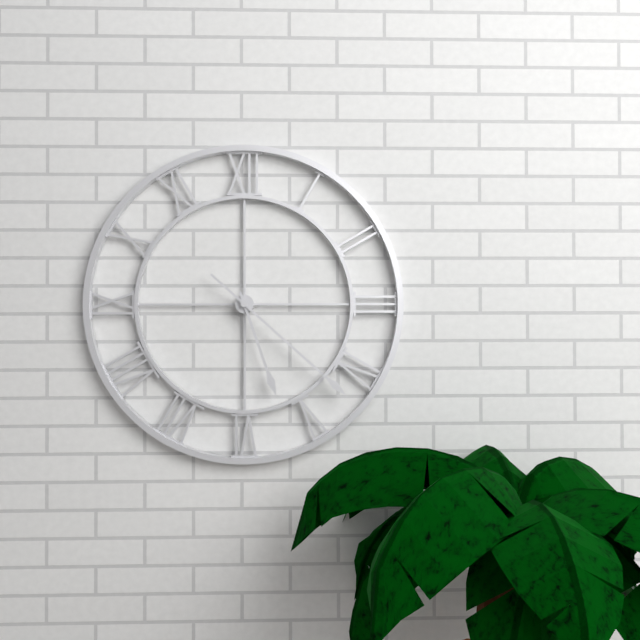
5:22
